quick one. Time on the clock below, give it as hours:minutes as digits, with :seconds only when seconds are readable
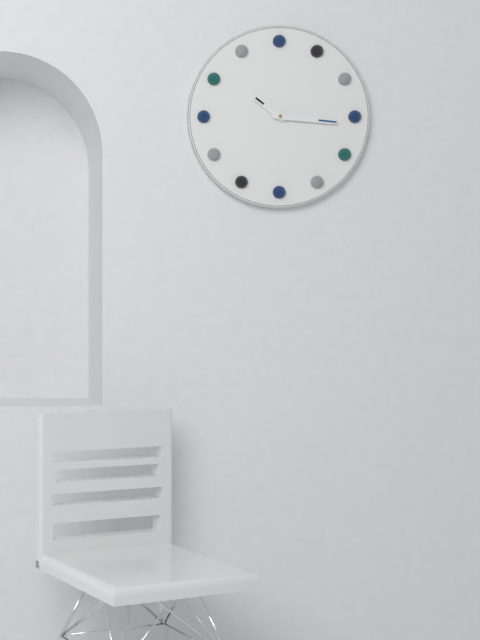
10:16
